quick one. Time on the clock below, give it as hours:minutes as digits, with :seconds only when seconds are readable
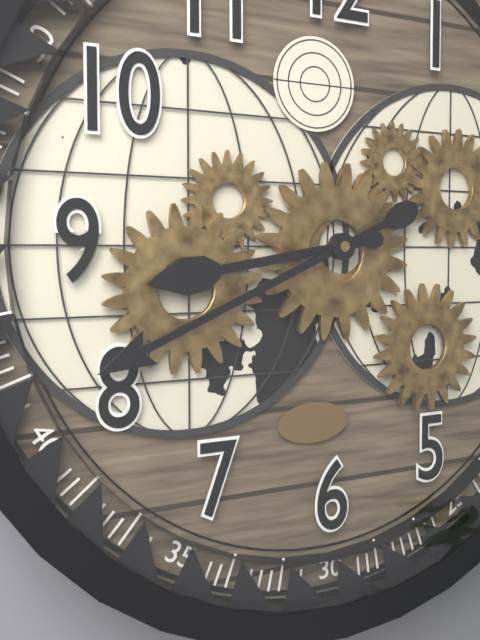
8:41
